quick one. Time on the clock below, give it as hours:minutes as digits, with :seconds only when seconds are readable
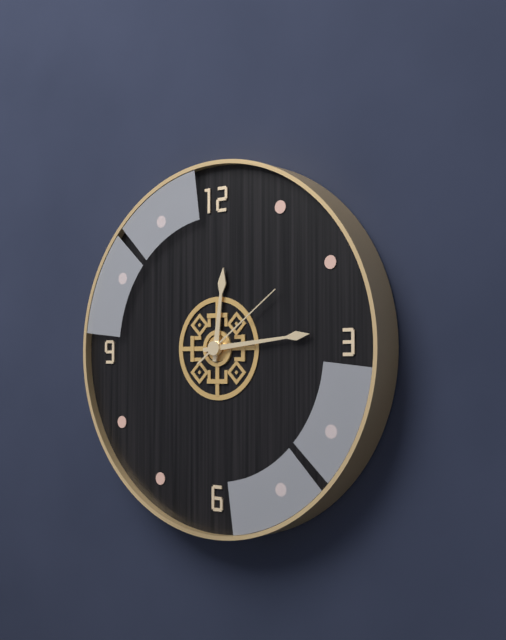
12:14:09
